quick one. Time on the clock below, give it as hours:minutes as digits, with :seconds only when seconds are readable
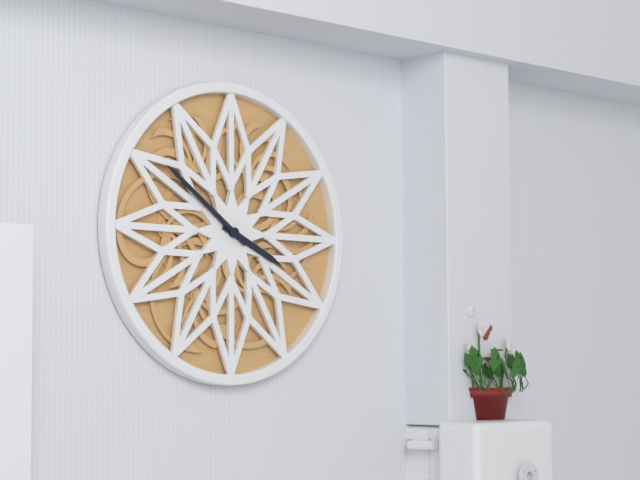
3:51
